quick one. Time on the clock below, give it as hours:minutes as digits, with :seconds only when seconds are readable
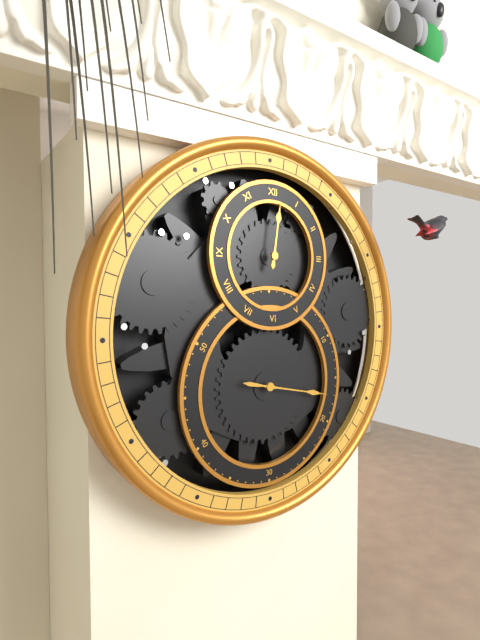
12:17
